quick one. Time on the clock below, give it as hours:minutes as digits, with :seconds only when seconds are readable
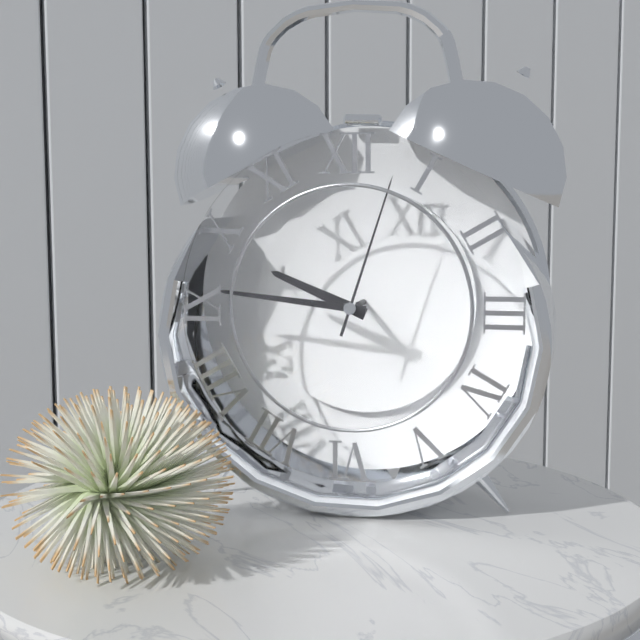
9:46:03
